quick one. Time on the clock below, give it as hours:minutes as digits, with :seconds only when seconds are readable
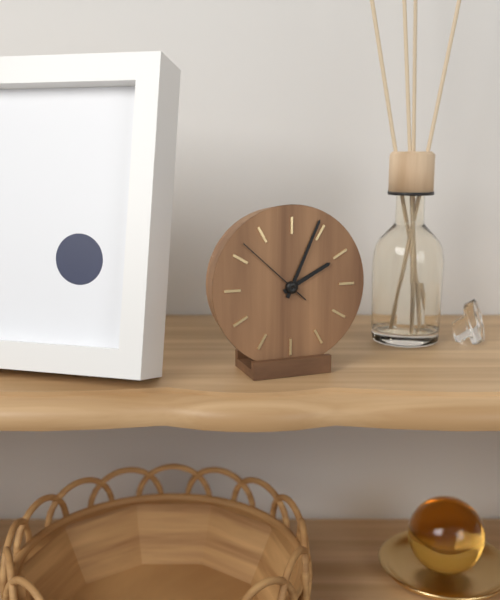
2:04:52
